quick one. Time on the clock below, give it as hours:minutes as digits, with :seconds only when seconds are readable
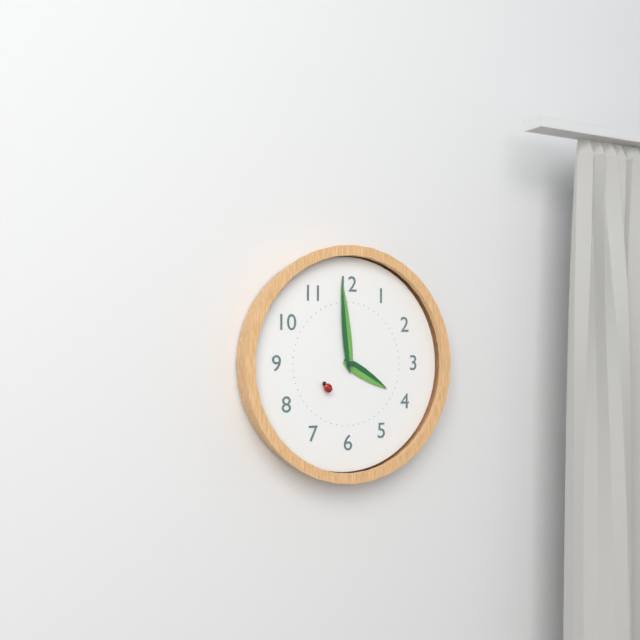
3:59
